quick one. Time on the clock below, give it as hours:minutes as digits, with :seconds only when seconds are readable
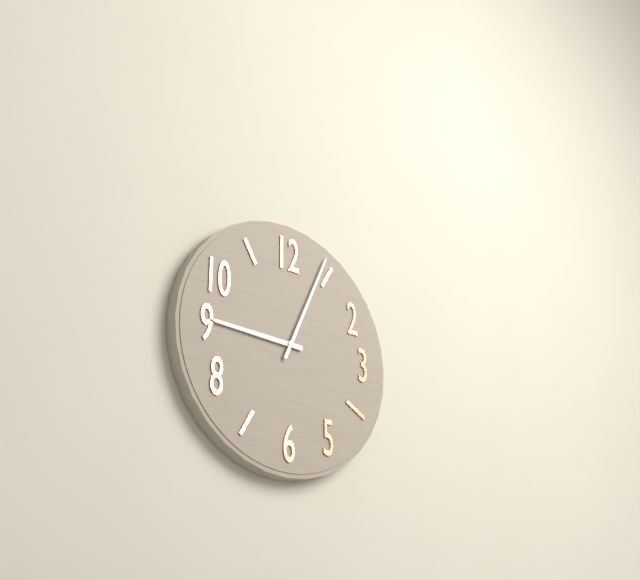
9:04
